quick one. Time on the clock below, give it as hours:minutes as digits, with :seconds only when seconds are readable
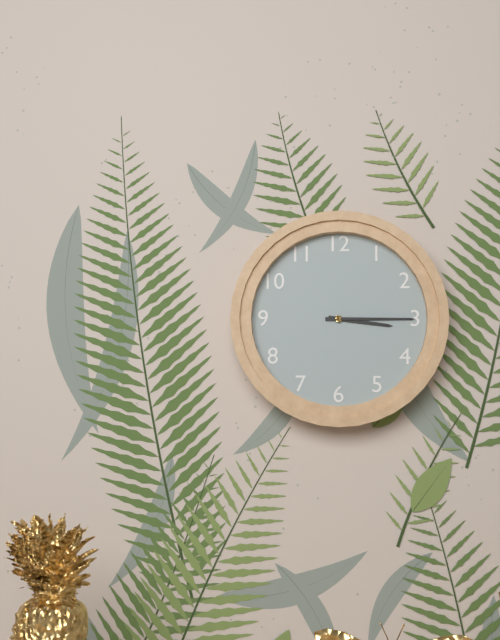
3:15
